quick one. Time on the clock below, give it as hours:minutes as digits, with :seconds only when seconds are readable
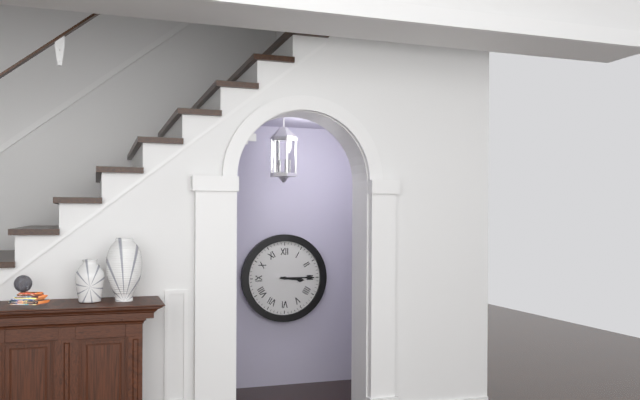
3:15
